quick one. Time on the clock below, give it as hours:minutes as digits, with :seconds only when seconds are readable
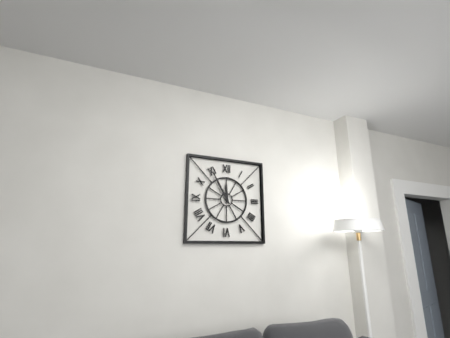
11:55
